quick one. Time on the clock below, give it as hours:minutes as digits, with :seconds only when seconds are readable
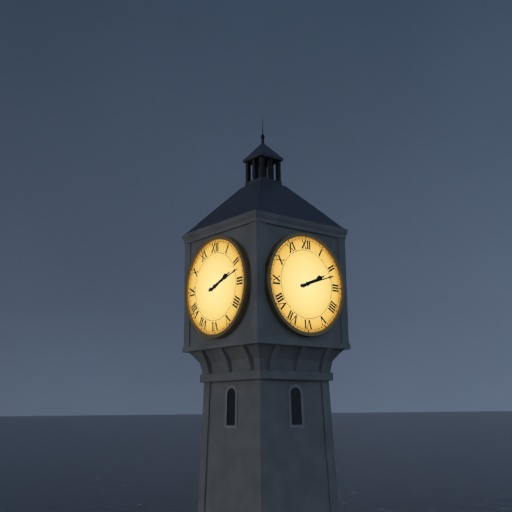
2:12
